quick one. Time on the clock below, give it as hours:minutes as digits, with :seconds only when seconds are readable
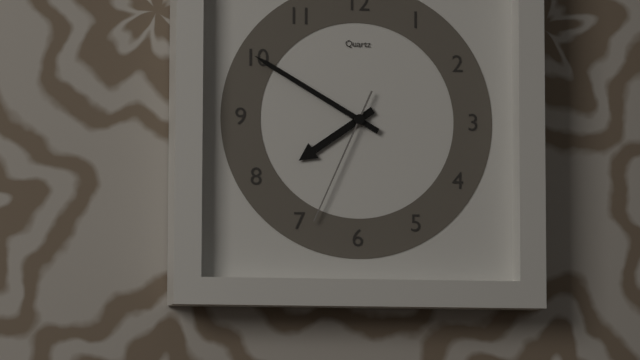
7:50:34
